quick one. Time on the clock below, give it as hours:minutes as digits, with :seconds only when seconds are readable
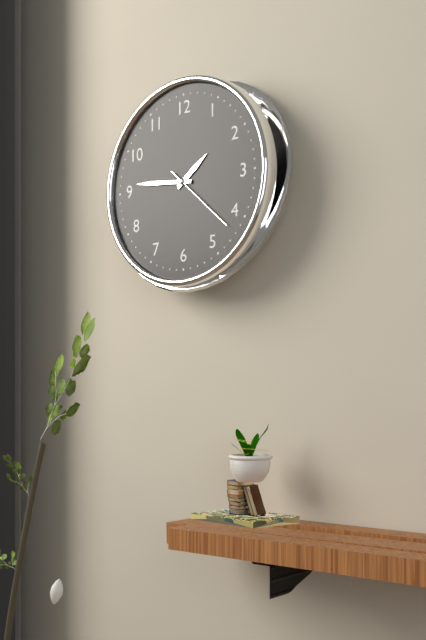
1:46:22
